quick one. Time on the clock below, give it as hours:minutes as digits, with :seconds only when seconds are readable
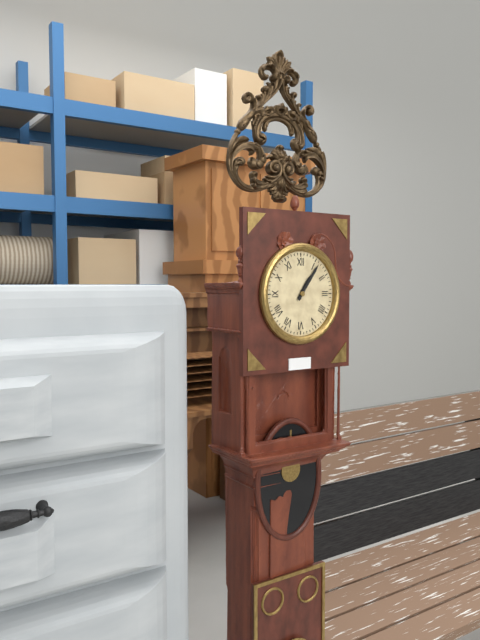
1:06
